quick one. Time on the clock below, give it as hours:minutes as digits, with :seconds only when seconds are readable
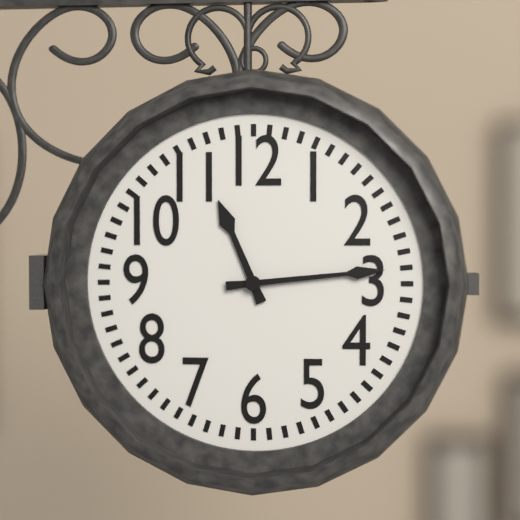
11:14
